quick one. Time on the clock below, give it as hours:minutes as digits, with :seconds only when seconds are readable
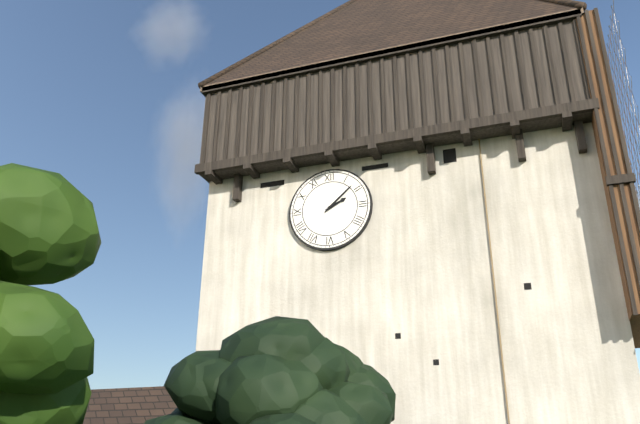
2:08
